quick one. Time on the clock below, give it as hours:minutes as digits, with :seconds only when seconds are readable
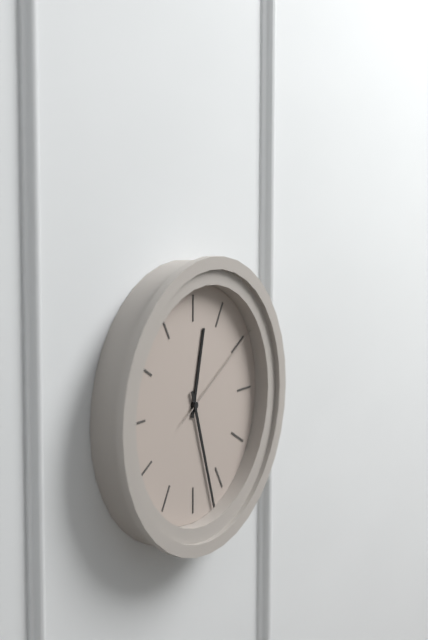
12:27:10
